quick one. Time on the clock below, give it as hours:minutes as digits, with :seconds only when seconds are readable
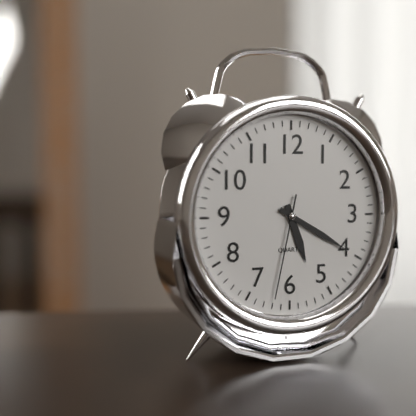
5:20:32
